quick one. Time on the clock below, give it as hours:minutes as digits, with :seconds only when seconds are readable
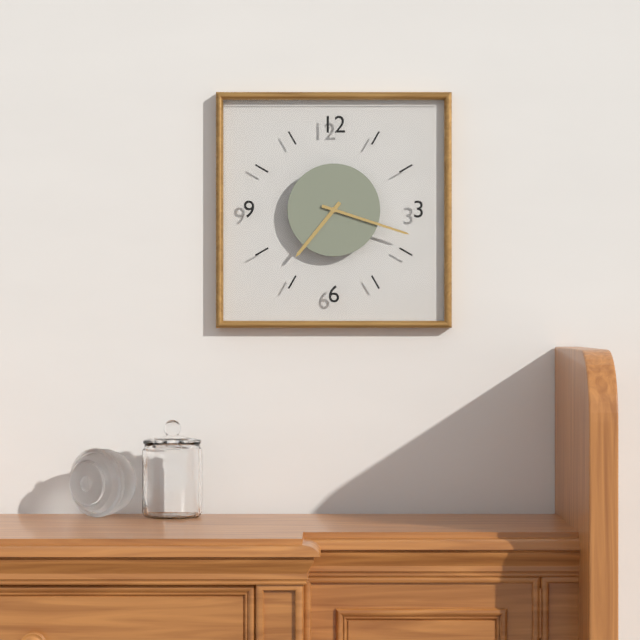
7:18
